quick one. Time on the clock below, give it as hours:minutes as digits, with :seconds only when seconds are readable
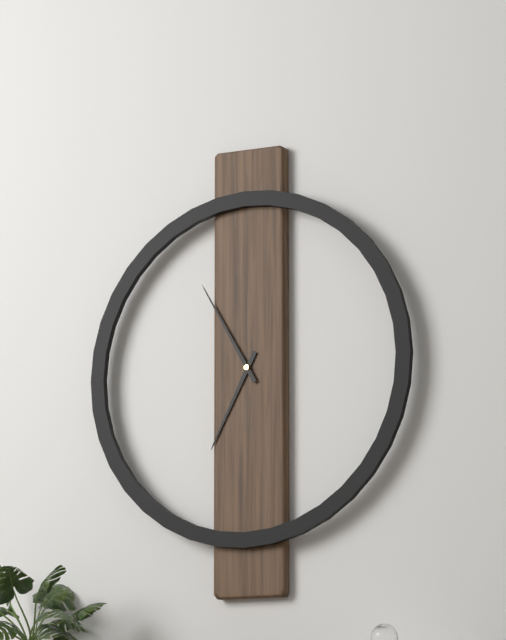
6:55
